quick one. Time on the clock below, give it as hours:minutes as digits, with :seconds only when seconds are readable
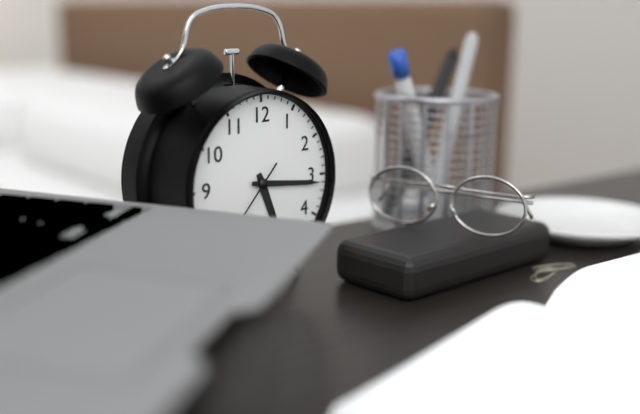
5:16
